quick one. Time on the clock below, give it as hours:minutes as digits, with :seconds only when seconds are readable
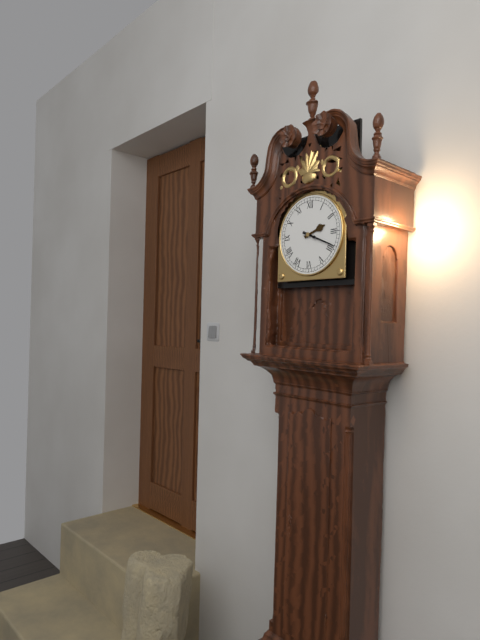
2:19
